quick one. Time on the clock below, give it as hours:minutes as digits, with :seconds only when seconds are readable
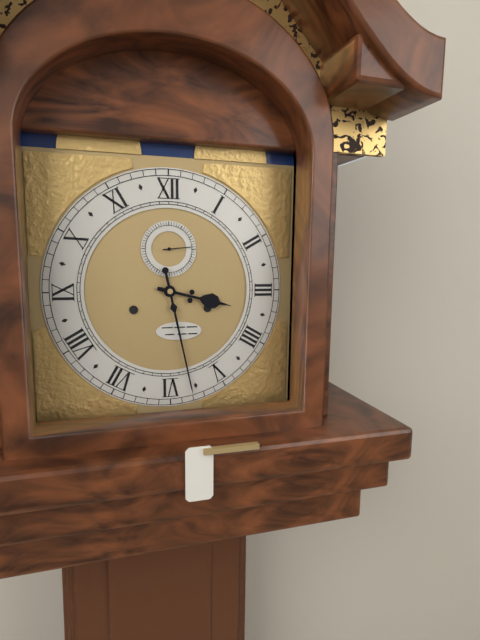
3:28
